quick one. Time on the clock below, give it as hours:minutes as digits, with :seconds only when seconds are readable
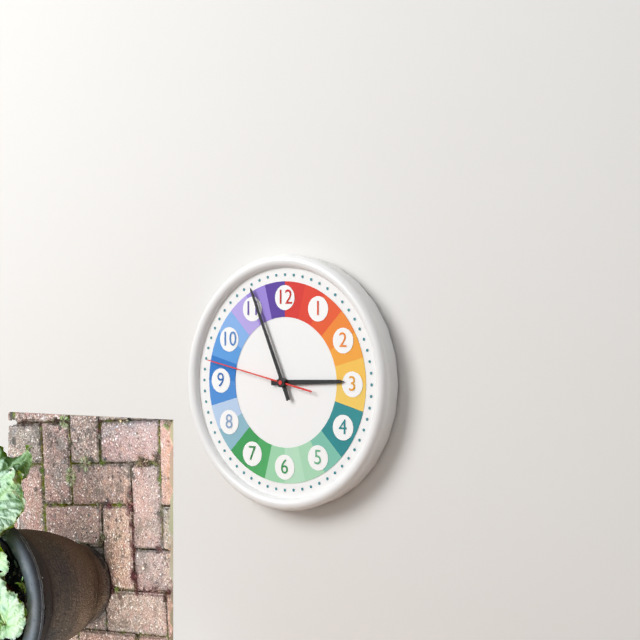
2:56:47
